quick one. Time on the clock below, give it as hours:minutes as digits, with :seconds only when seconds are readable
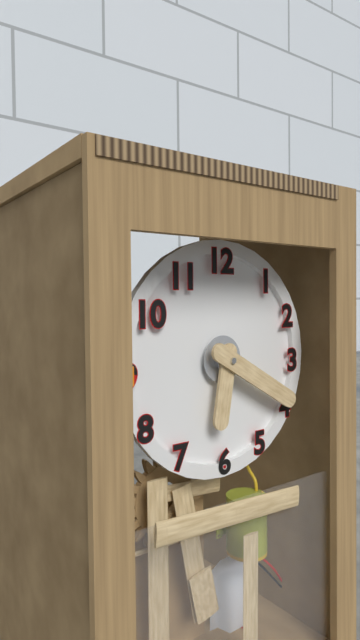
6:20
